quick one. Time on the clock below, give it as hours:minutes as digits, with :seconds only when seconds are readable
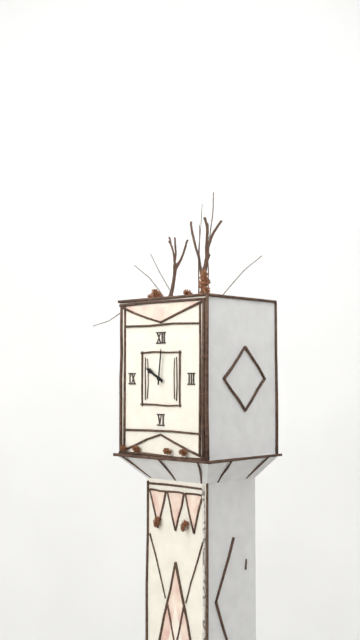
10:01
